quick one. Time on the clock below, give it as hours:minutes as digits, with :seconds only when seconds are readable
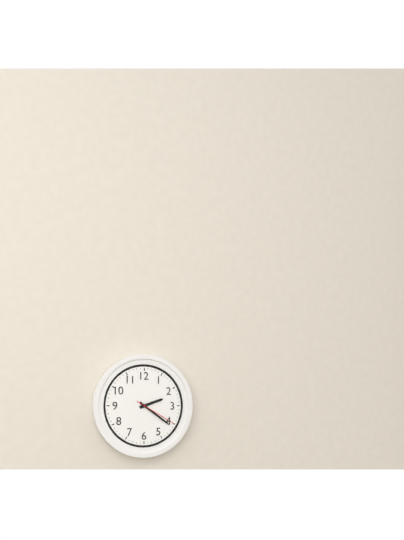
2:21
